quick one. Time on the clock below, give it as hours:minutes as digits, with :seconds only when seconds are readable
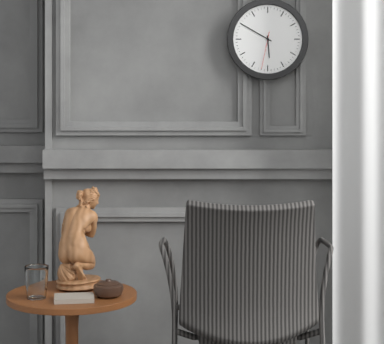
5:50
